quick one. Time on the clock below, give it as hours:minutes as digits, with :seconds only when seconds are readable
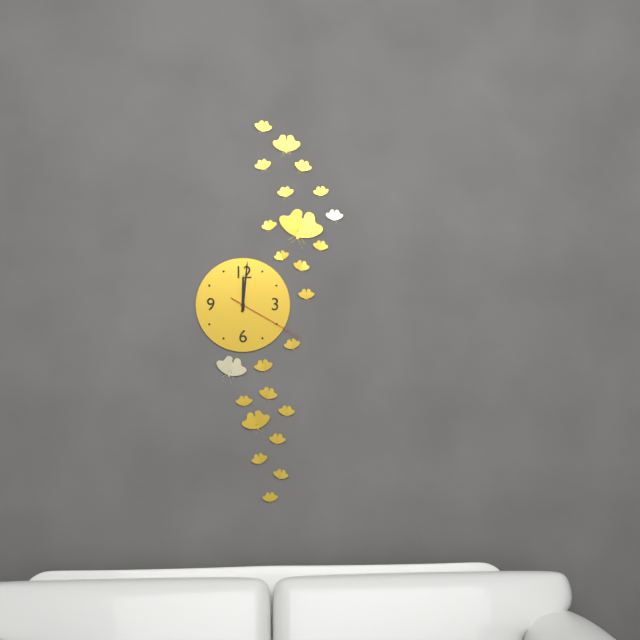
12:01:20
